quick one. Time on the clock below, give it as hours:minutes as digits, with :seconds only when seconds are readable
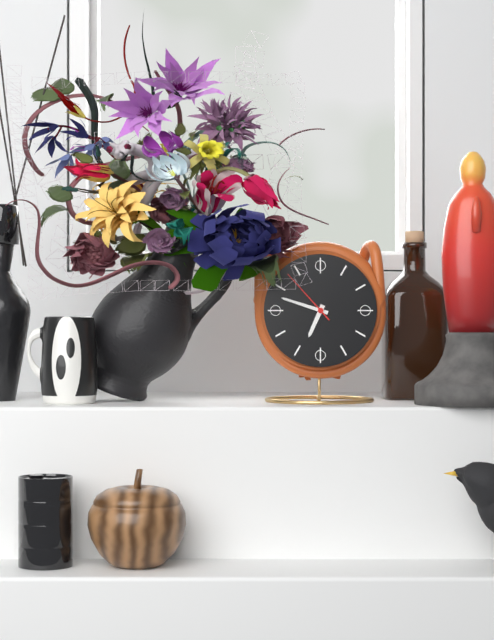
6:48:53
